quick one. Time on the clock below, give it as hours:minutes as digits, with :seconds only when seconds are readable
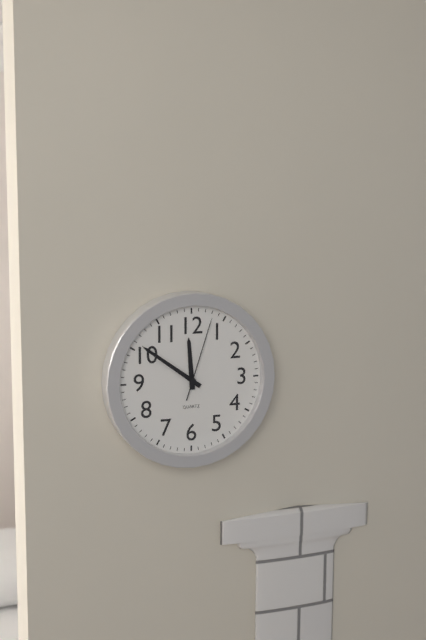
11:51:03
